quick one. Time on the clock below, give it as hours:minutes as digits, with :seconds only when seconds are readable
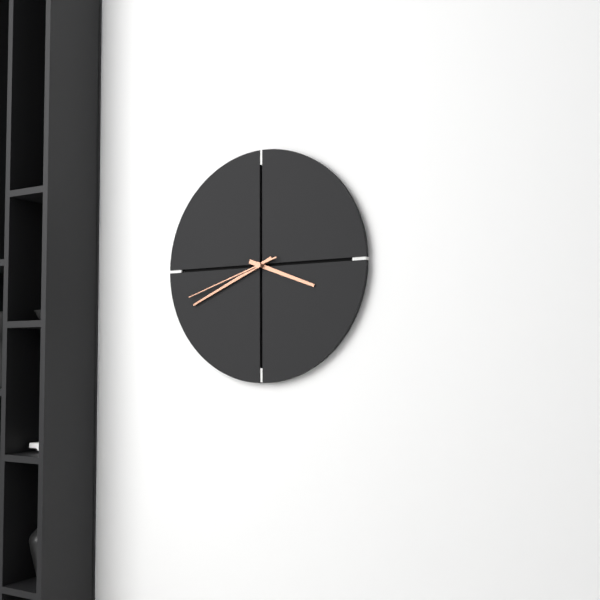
3:41:42
